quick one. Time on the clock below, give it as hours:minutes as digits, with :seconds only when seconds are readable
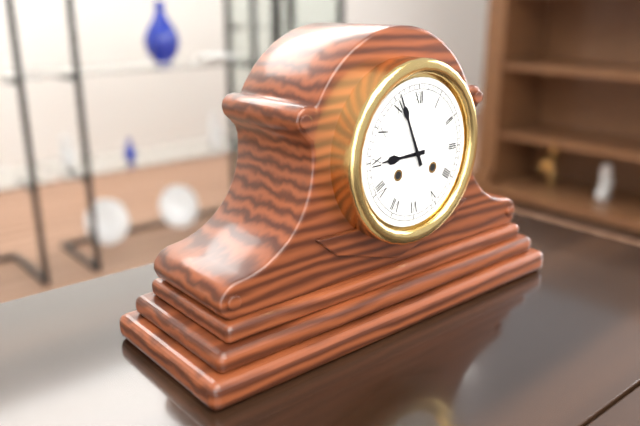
8:56
